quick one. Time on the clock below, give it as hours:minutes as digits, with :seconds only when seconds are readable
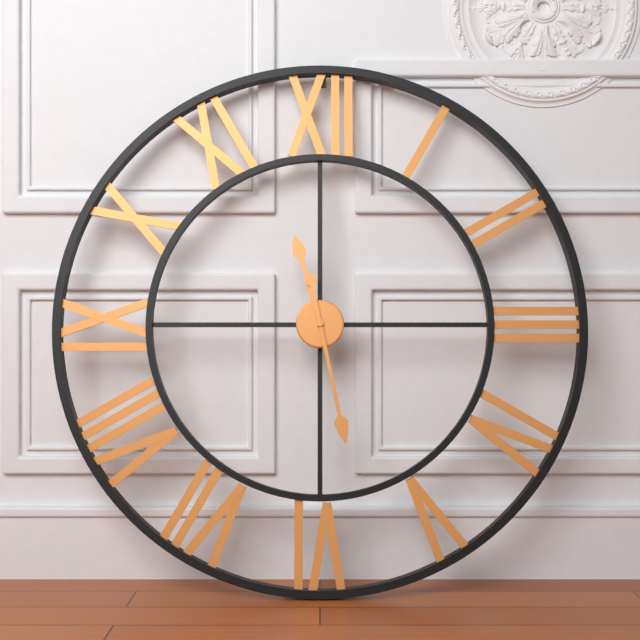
11:28
